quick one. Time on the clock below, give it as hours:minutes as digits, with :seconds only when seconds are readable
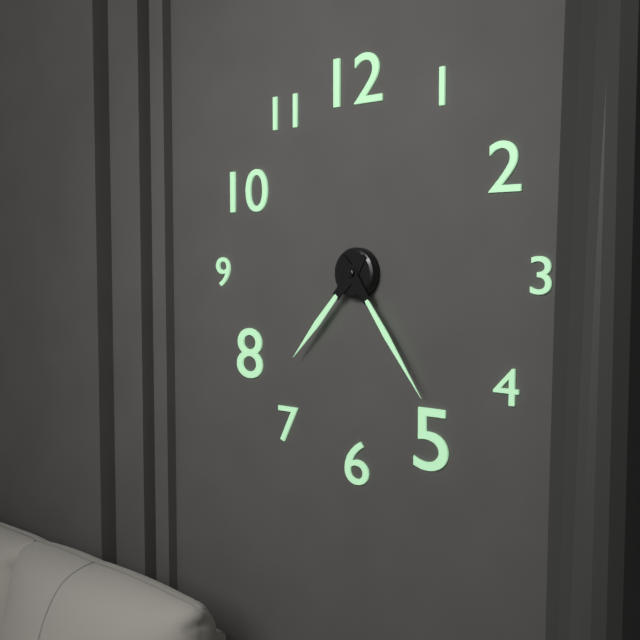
7:24
